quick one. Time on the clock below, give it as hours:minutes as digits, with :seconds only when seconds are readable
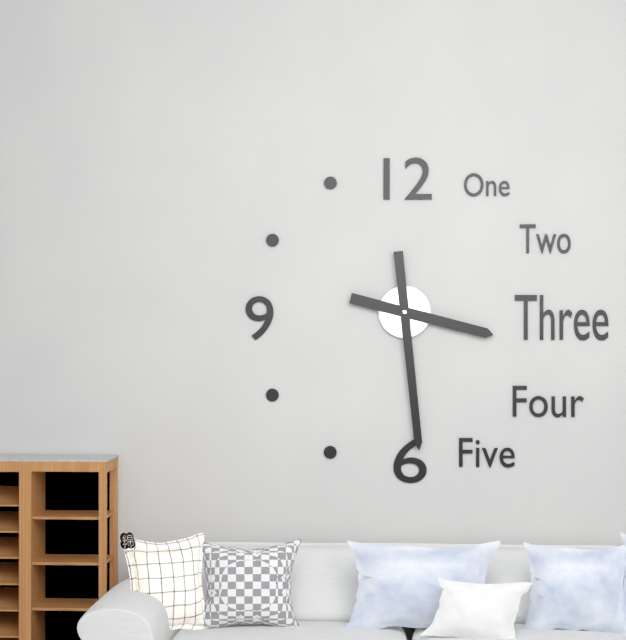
3:29
